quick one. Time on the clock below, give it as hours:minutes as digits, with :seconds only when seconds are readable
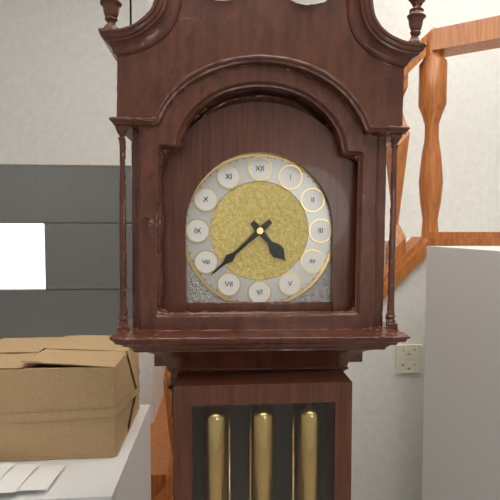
4:38
